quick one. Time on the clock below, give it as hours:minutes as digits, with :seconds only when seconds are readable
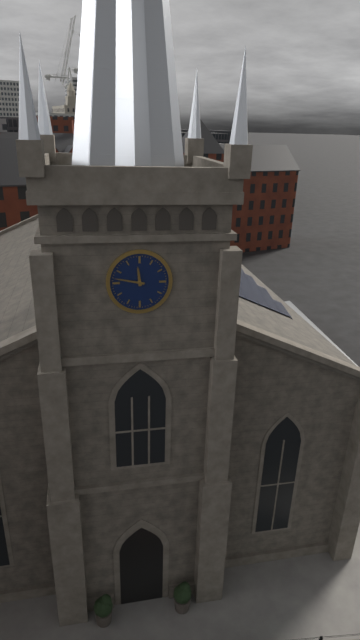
11:47
